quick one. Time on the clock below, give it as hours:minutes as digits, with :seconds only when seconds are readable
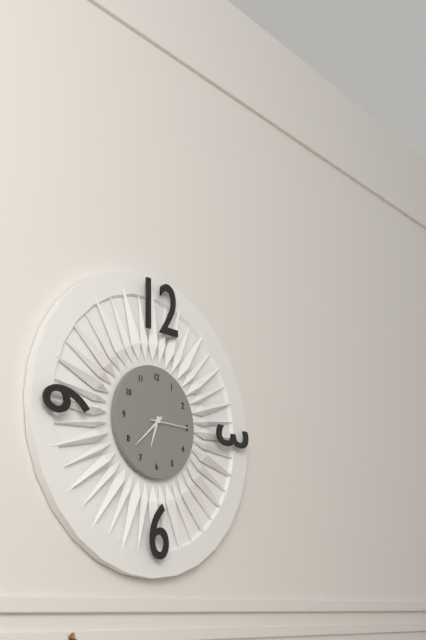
6:38
